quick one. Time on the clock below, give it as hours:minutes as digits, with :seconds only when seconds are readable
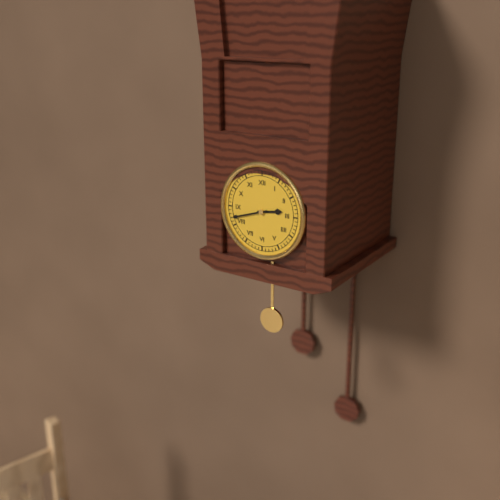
2:42
